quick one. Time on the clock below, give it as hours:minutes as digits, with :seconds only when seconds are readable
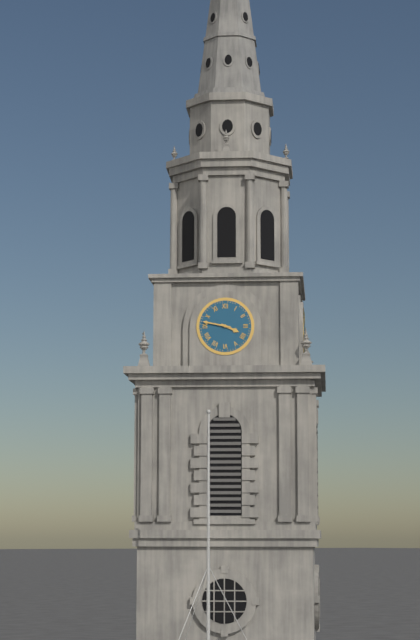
3:47
